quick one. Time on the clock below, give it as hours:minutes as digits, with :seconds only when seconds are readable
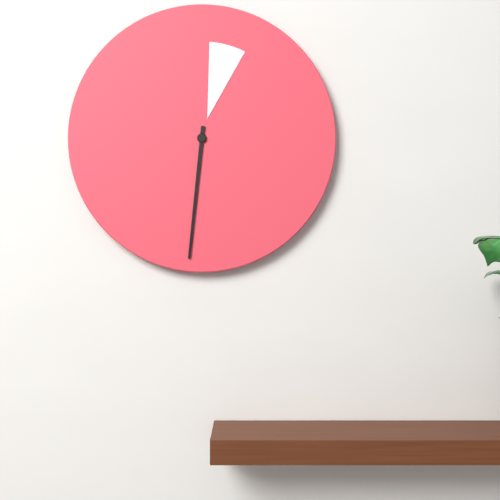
12:31
